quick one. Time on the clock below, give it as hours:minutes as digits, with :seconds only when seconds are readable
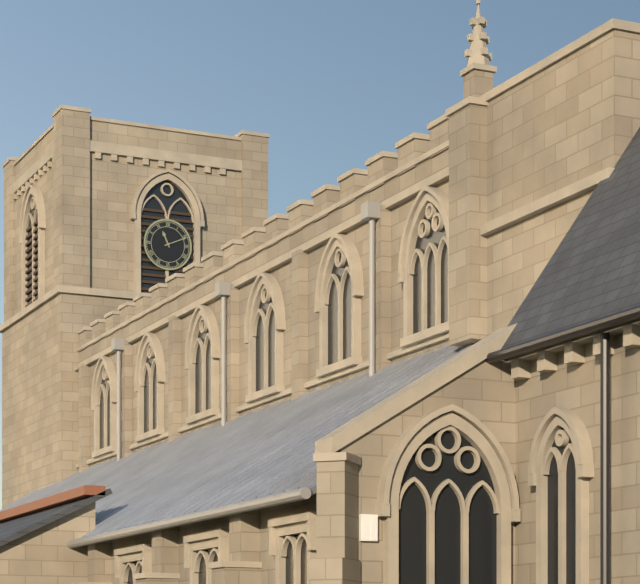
11:11
